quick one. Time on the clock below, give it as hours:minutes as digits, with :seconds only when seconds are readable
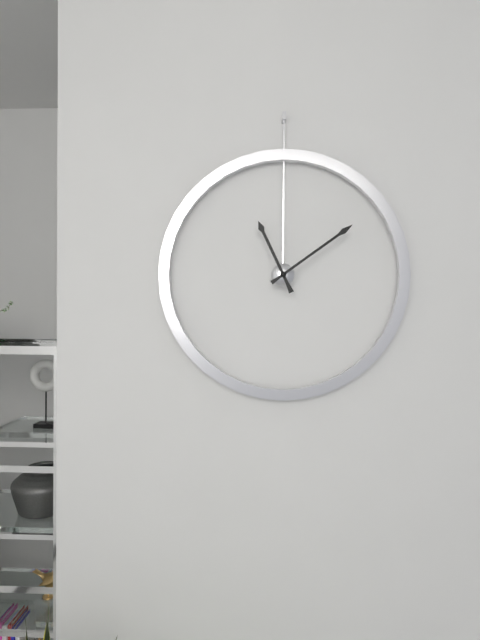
11:09
